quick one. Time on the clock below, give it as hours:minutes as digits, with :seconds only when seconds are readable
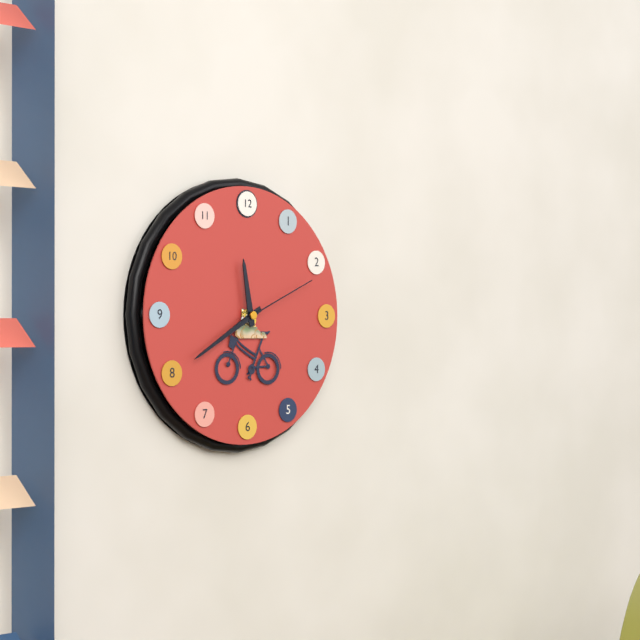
11:40:11
